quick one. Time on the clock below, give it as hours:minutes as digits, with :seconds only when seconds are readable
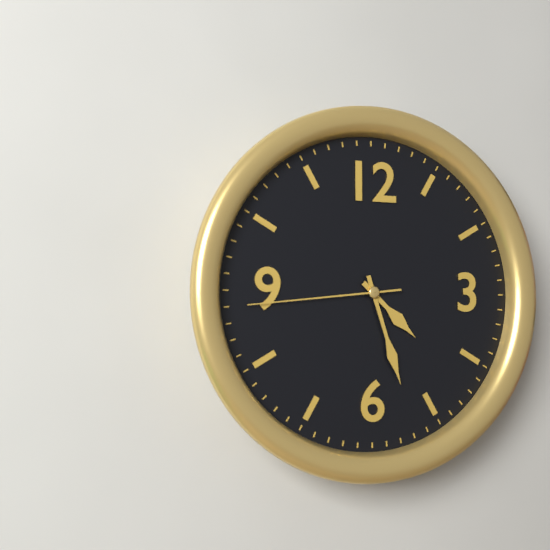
4:27:44
